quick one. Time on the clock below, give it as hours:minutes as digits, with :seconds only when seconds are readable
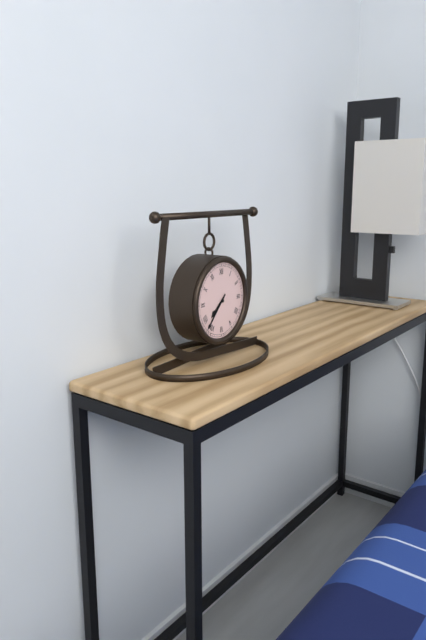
7:37
